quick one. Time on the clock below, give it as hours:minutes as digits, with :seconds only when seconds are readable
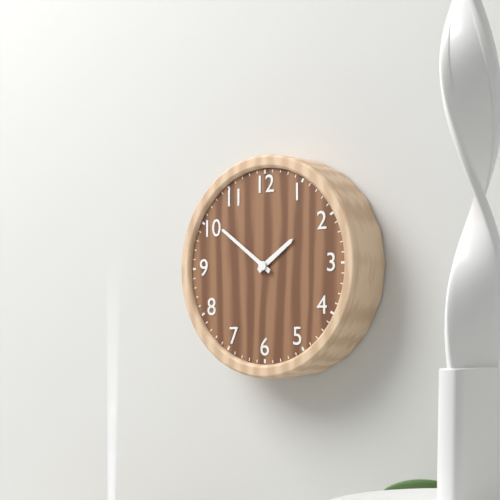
1:51
